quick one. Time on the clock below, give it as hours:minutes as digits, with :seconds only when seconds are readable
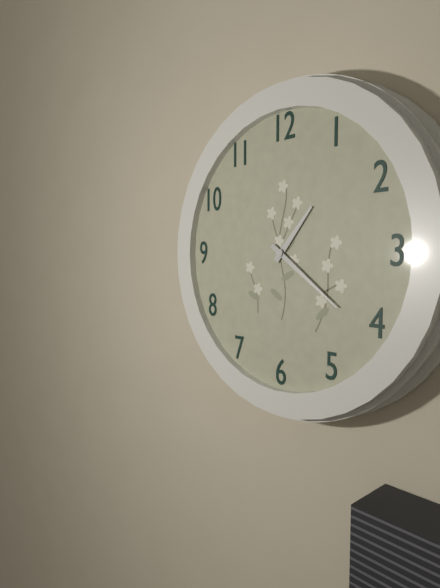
1:21
